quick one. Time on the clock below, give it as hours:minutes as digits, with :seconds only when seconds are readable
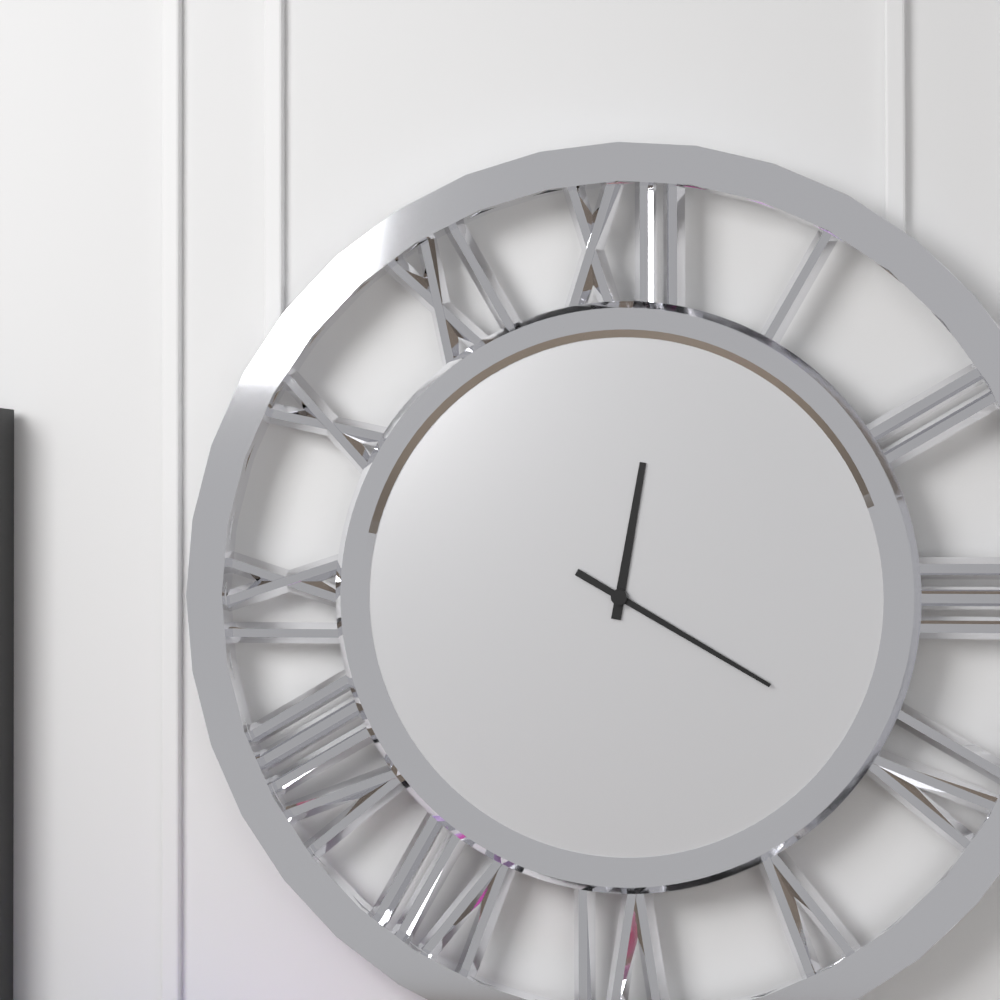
12:20
